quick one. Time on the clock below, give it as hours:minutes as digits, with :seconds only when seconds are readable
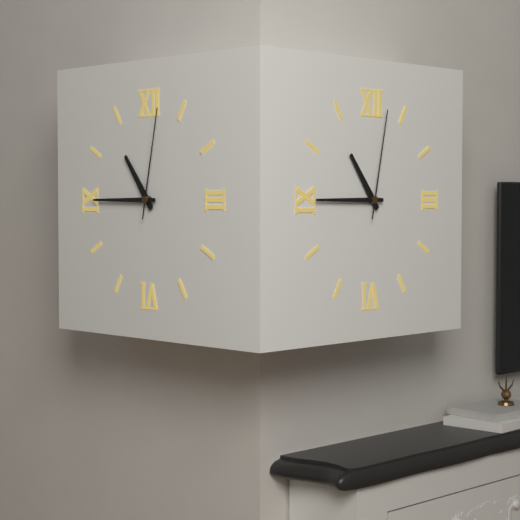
10:45:02
